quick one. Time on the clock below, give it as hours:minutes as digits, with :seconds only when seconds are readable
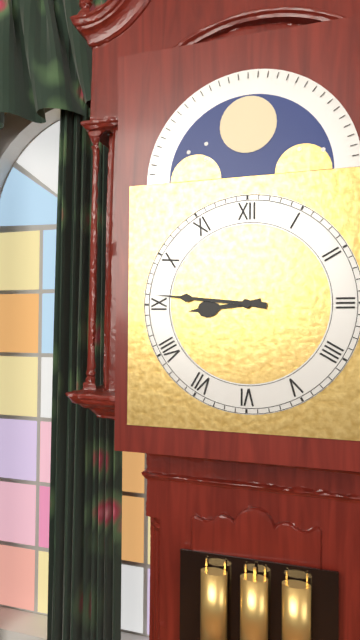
8:46
